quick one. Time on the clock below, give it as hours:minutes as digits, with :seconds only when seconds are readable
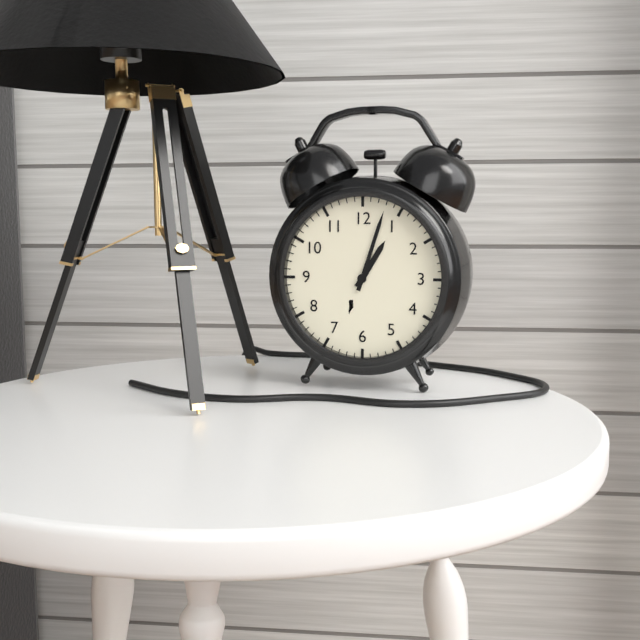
1:03
